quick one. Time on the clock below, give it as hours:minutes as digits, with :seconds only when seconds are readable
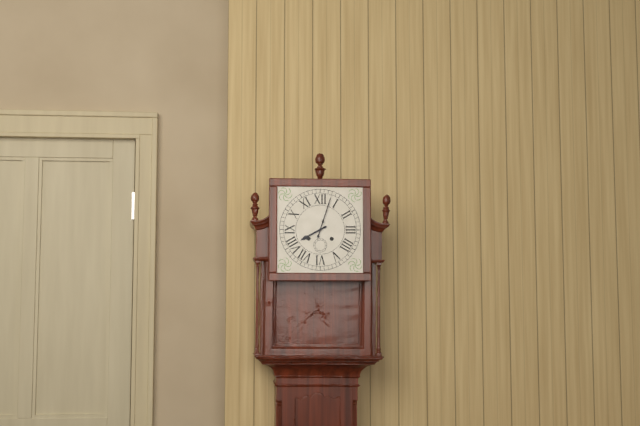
8:03
